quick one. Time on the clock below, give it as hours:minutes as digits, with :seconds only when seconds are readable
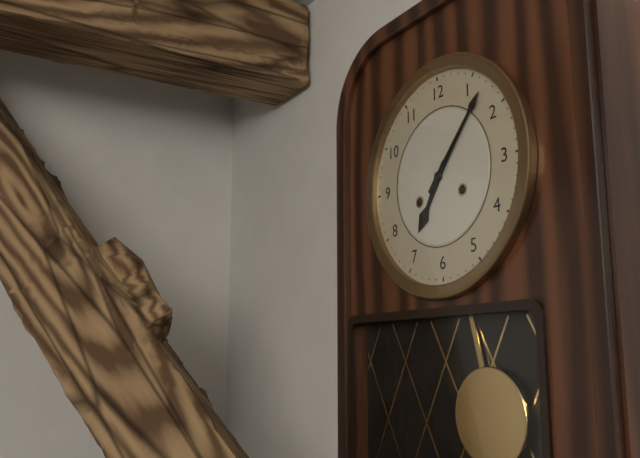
7:07
